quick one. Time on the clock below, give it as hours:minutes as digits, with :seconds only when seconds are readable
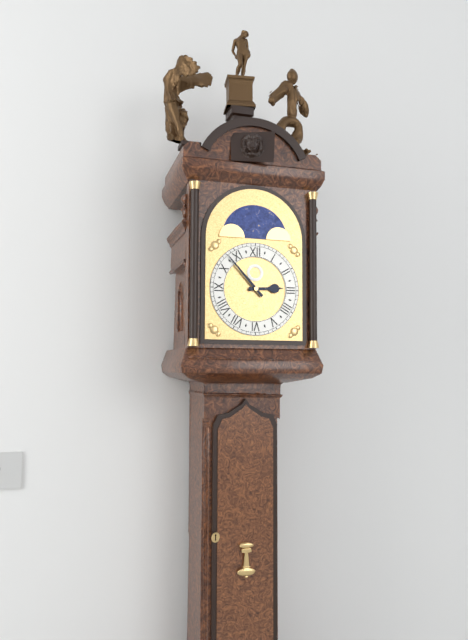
2:53
